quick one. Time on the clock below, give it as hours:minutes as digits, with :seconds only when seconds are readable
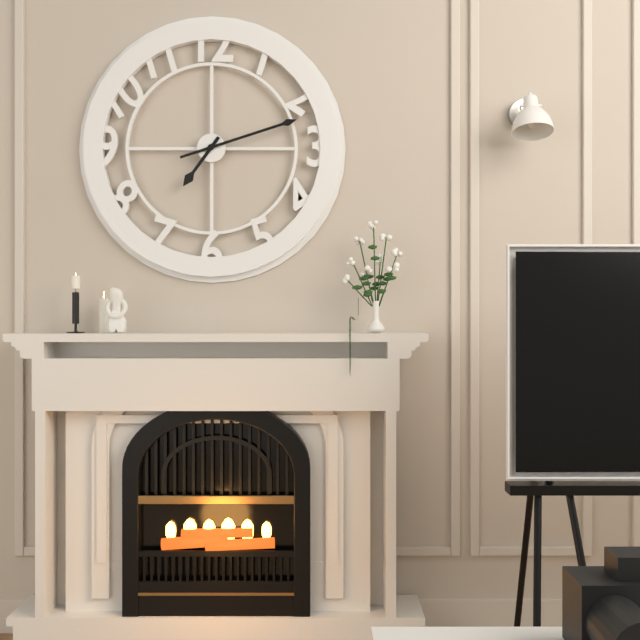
7:12
